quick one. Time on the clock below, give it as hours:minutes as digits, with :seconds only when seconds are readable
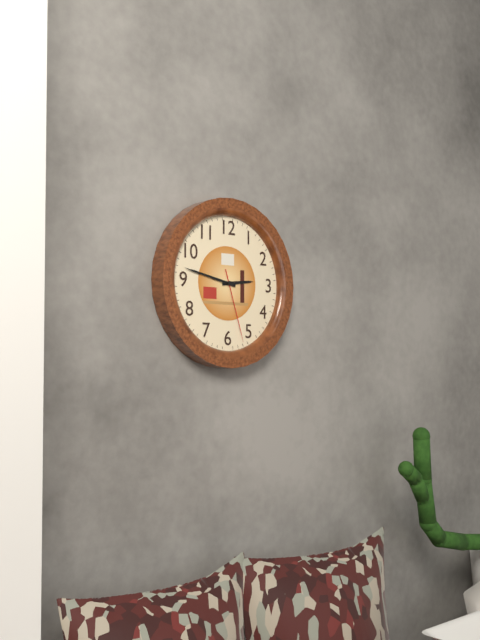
2:47:27
